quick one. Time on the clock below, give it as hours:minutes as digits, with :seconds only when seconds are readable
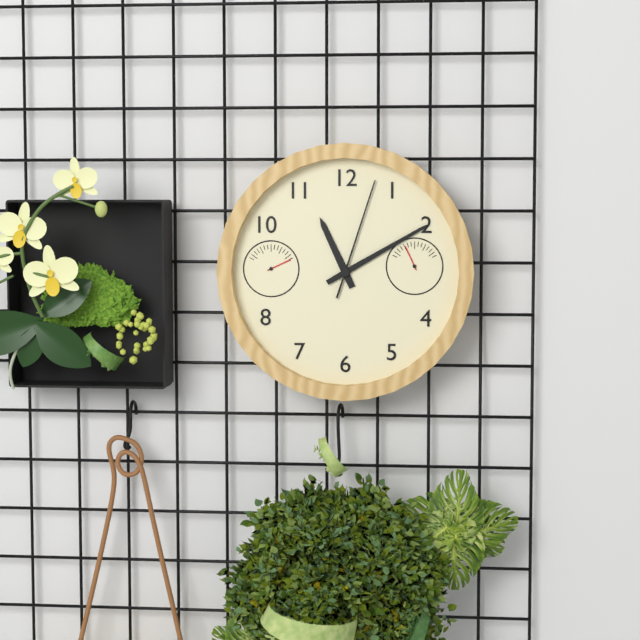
11:10:03
